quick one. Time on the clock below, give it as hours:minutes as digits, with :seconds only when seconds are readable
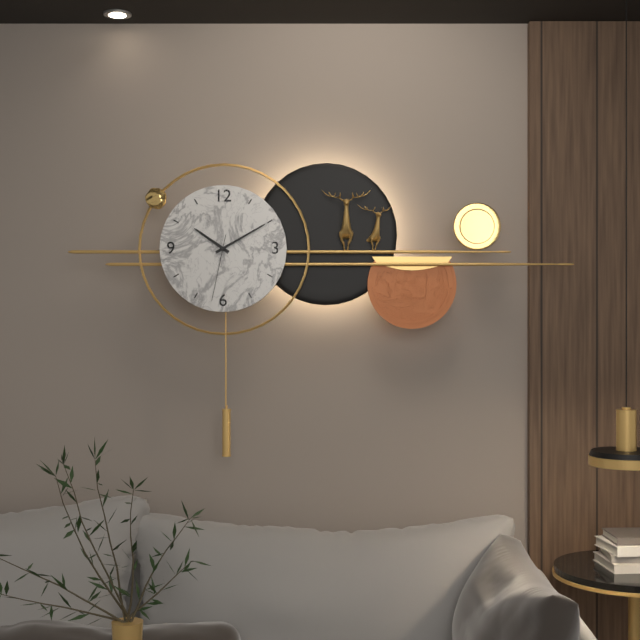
10:10:32
